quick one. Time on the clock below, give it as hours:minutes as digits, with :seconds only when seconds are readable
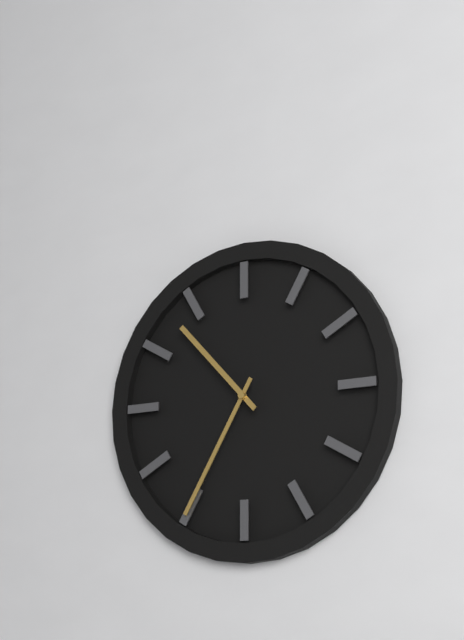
10:35
